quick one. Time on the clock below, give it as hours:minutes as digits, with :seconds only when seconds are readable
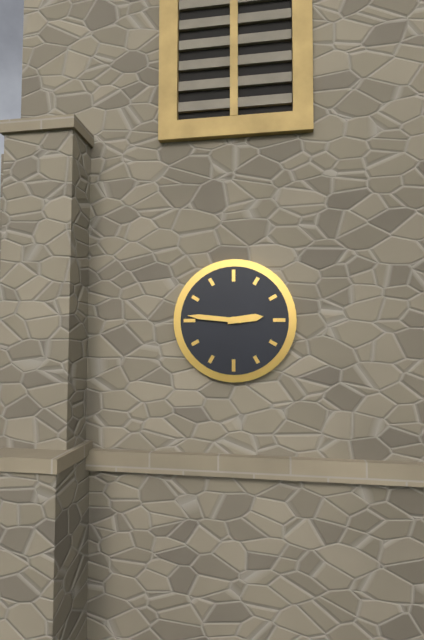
2:46
